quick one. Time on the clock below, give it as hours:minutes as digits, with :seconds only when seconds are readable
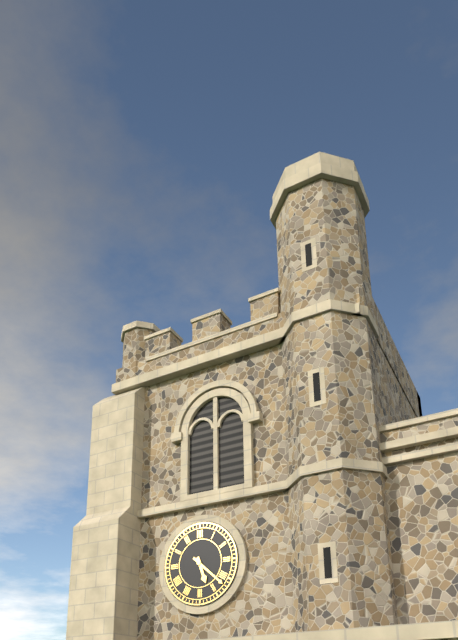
5:22
